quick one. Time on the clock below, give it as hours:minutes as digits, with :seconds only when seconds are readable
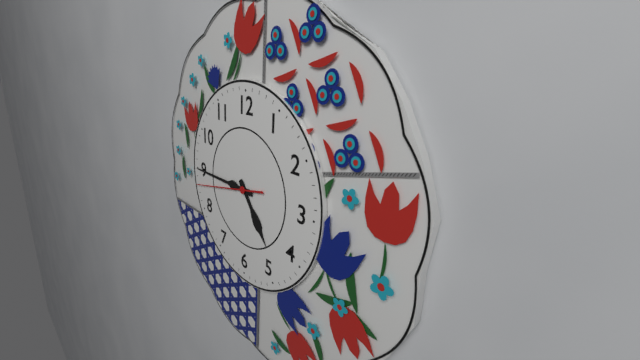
4:45:43
